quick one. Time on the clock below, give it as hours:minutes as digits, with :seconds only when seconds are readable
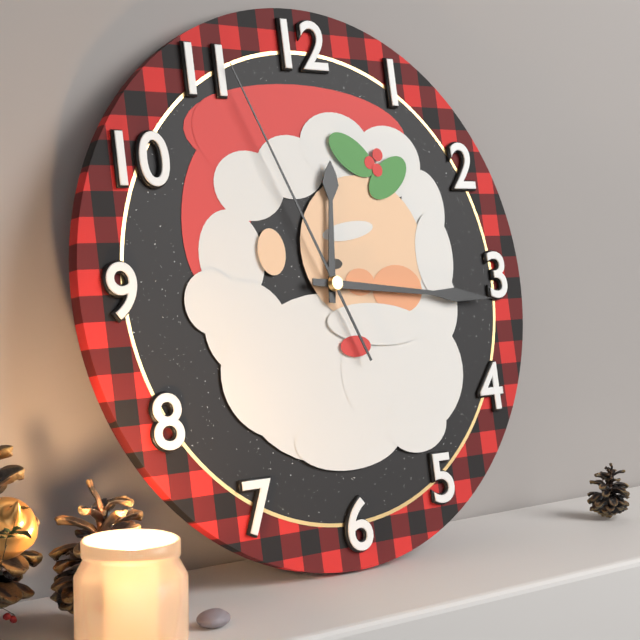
12:16:56
